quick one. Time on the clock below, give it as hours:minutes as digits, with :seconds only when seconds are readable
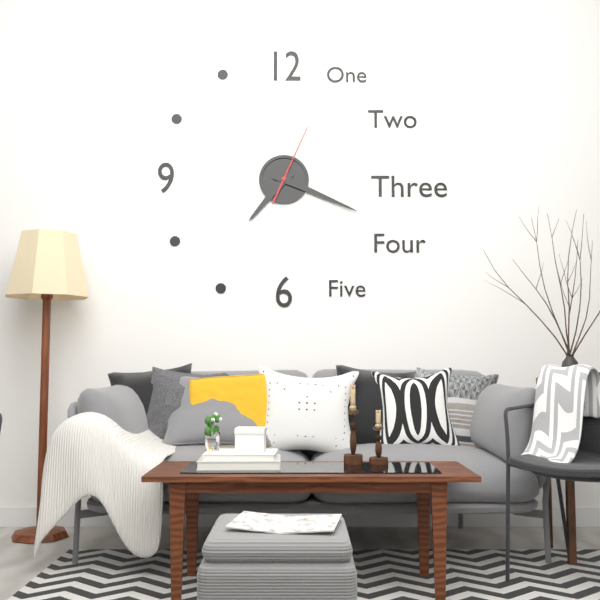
7:19:04
